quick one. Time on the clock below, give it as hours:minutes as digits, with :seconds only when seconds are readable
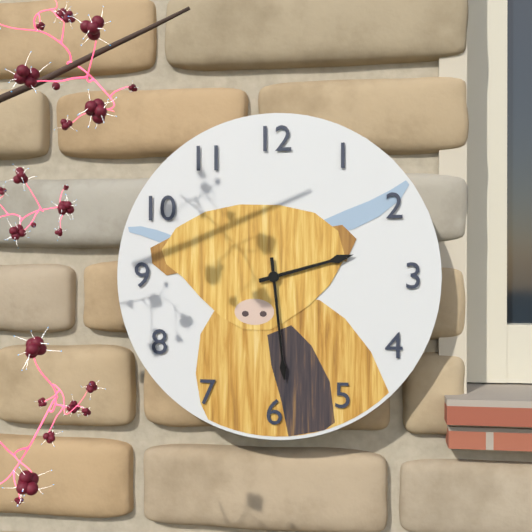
2:29
